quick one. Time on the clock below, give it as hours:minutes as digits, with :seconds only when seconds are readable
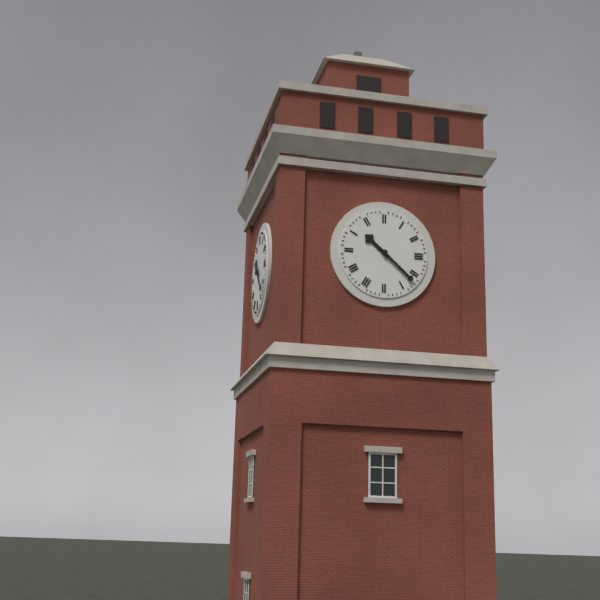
10:22
